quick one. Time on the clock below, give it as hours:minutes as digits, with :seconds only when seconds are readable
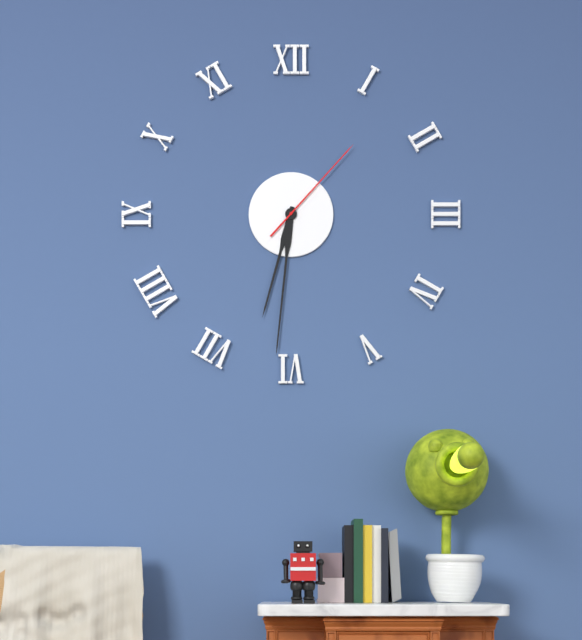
6:31:07
